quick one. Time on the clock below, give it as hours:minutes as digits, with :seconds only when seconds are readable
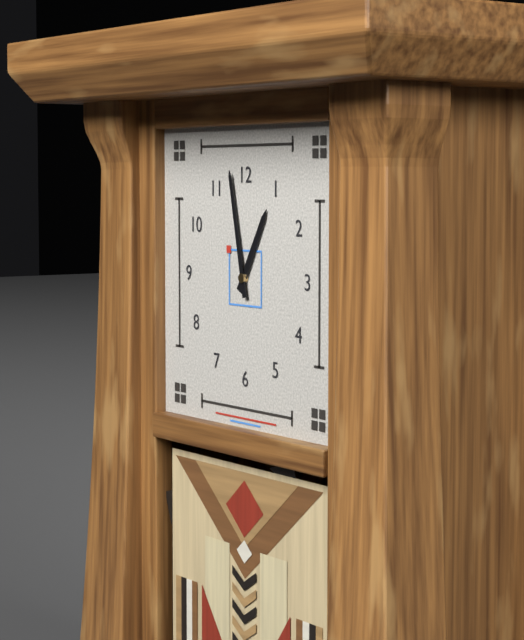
12:58
